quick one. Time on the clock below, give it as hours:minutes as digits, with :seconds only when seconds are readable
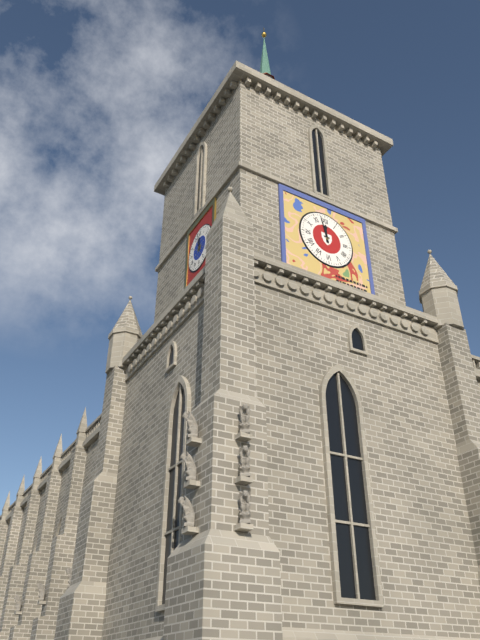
11:58
